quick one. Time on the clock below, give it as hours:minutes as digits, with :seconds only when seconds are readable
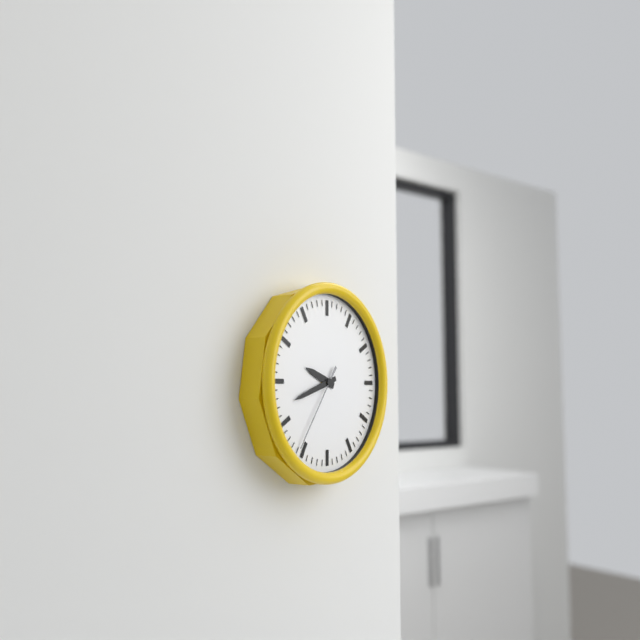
9:42:36
